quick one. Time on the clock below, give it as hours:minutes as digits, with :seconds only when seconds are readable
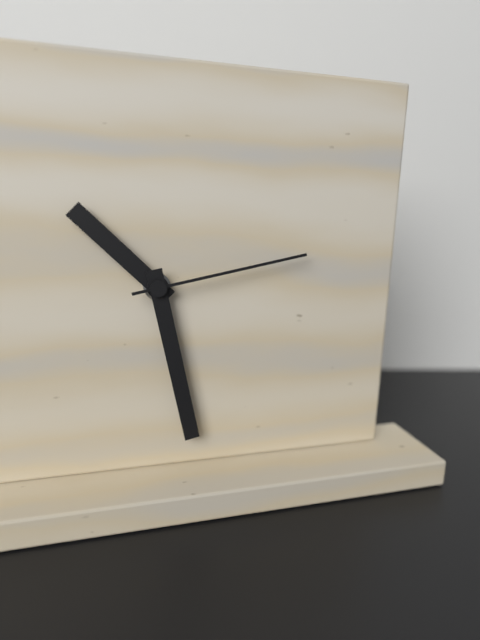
10:28:13
